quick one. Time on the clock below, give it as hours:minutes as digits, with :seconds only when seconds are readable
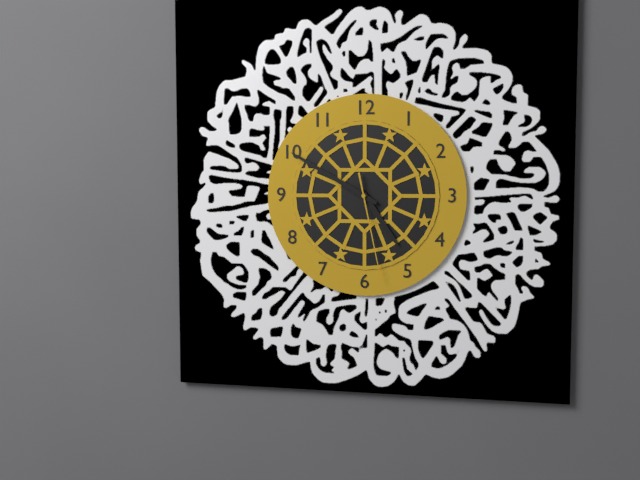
4:50:28
